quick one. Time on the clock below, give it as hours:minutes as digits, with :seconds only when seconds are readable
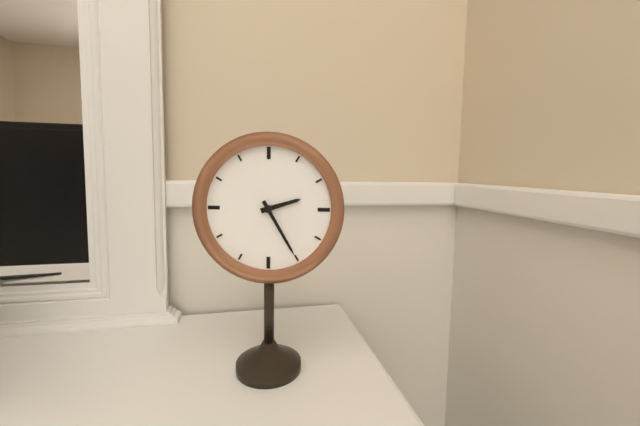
2:25
